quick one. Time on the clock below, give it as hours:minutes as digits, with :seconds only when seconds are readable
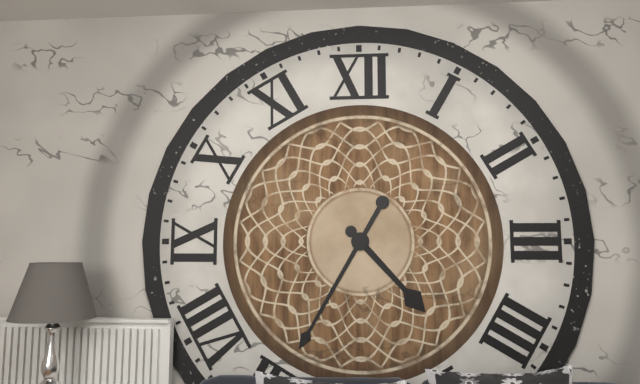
4:35
